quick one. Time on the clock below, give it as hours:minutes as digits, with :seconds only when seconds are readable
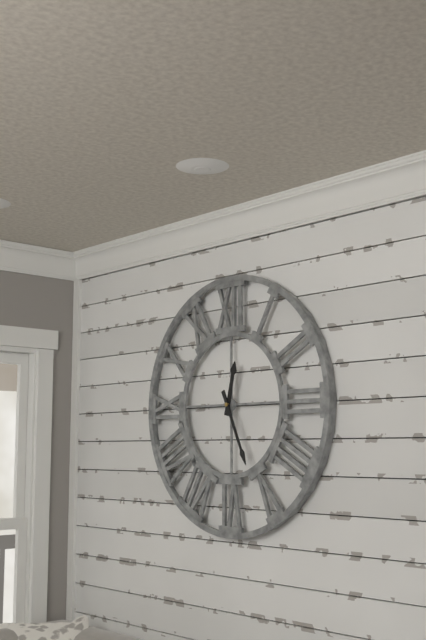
12:26
